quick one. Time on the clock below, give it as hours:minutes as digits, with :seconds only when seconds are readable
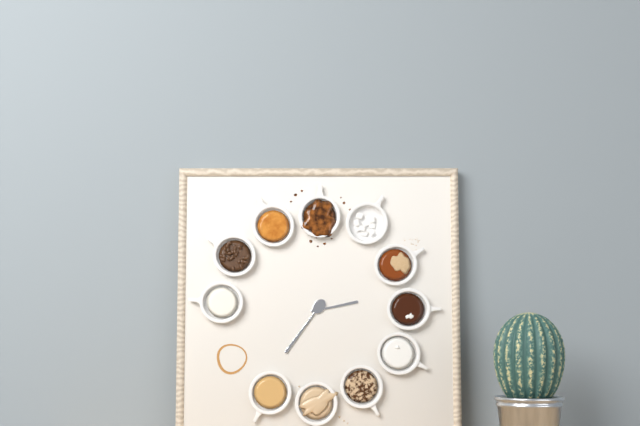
2:36
